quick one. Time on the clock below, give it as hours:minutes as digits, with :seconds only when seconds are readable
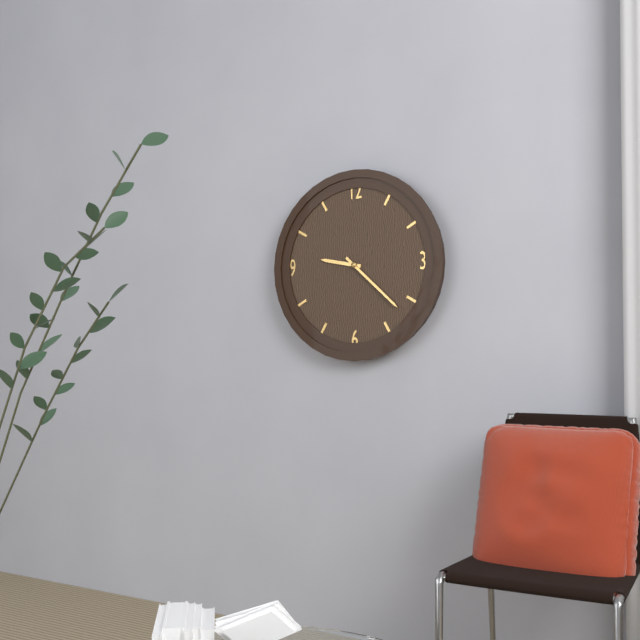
9:22
